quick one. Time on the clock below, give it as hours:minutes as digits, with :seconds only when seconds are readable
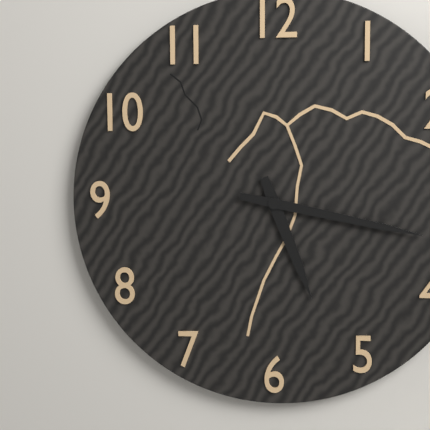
5:17
